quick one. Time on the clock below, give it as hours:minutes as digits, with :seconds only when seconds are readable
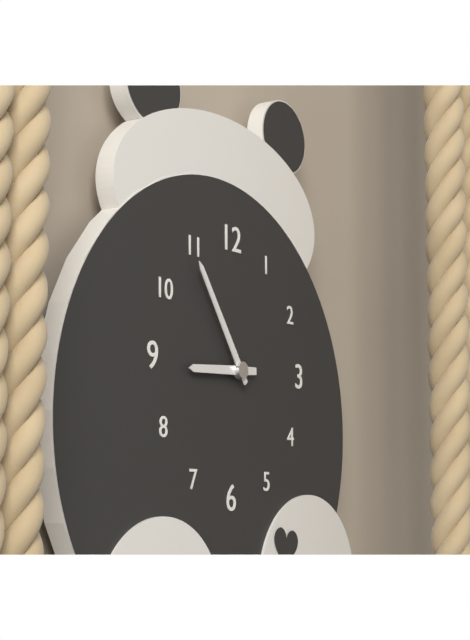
8:54
